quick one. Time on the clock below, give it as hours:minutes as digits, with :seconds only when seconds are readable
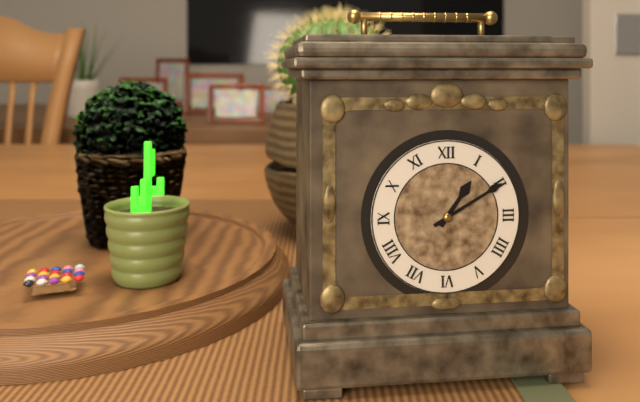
1:10
